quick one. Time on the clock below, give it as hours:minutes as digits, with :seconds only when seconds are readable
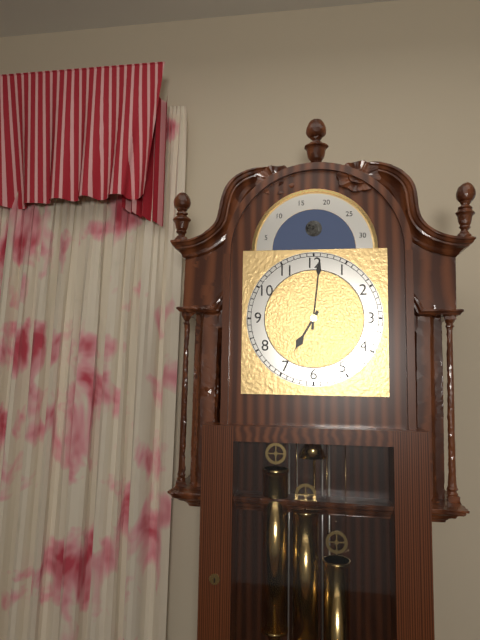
7:01
